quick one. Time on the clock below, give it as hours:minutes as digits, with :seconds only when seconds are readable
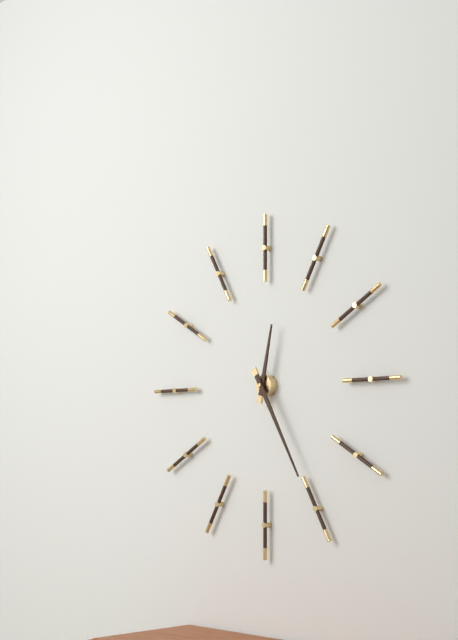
12:25
